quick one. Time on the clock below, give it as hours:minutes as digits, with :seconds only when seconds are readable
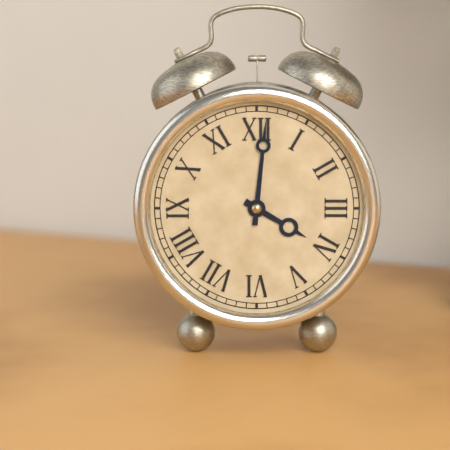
4:01
